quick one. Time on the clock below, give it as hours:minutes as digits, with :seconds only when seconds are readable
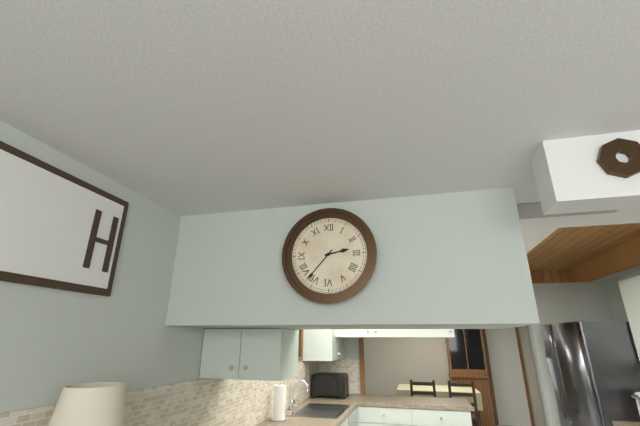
2:37
